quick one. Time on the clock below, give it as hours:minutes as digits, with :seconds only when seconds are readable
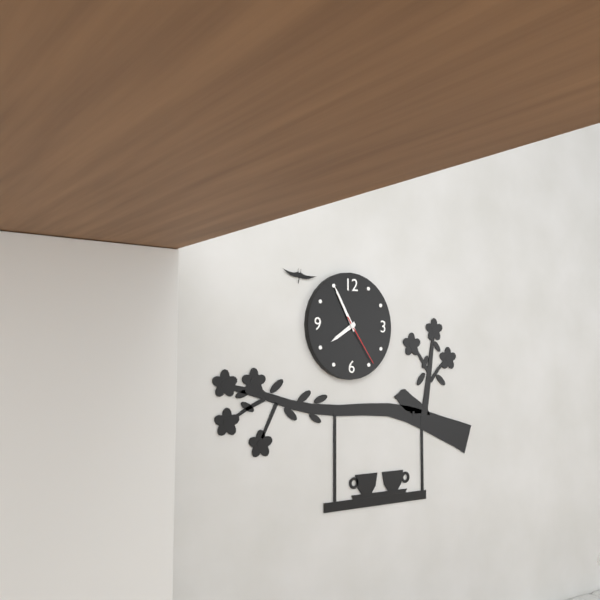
7:55:24
